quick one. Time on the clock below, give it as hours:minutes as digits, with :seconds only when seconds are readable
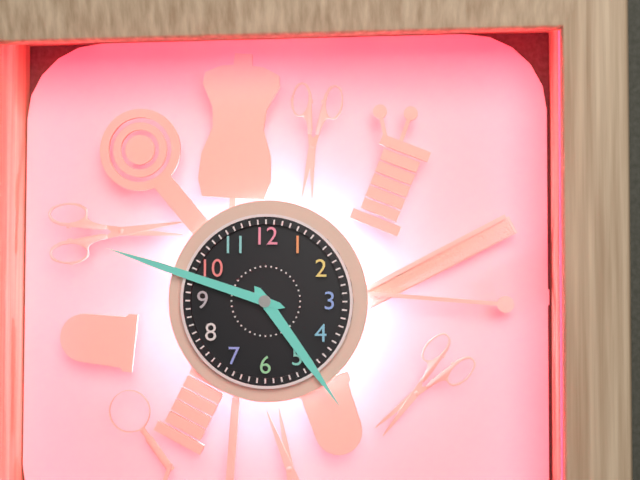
4:48
